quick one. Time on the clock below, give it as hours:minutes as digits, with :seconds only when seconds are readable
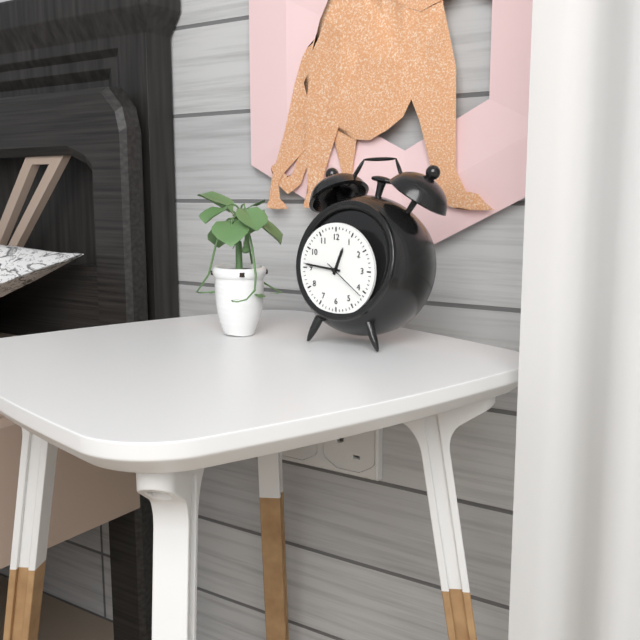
12:46
